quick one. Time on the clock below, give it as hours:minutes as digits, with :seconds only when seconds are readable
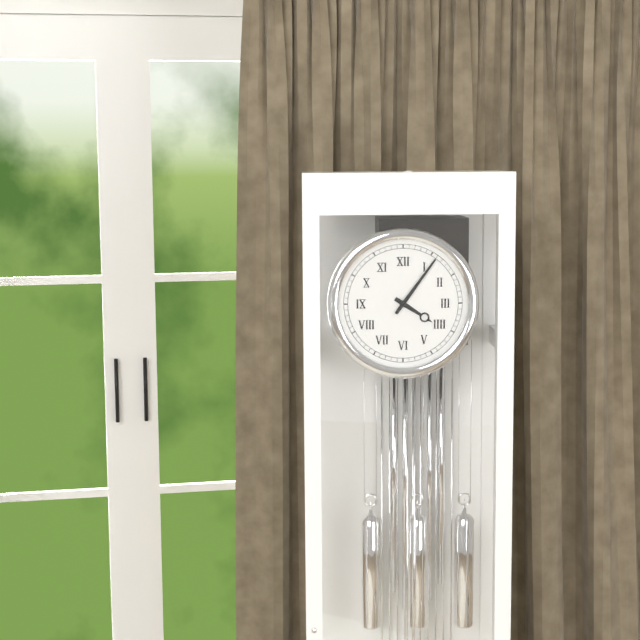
4:06
